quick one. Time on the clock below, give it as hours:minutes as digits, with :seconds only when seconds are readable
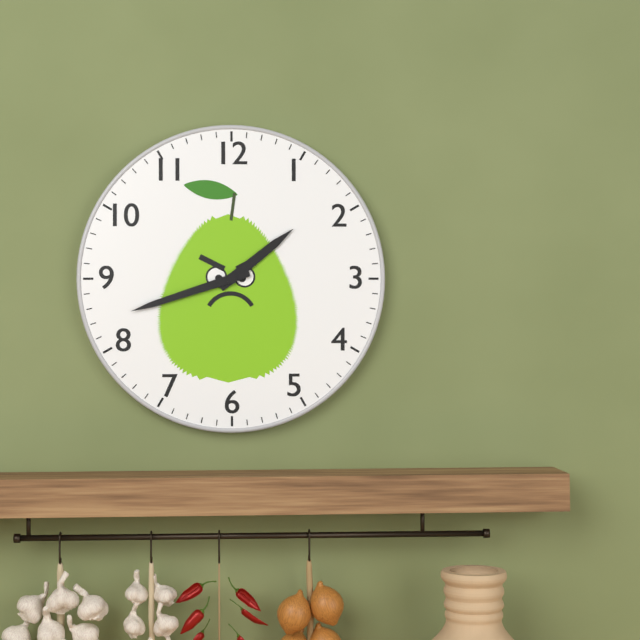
1:42
